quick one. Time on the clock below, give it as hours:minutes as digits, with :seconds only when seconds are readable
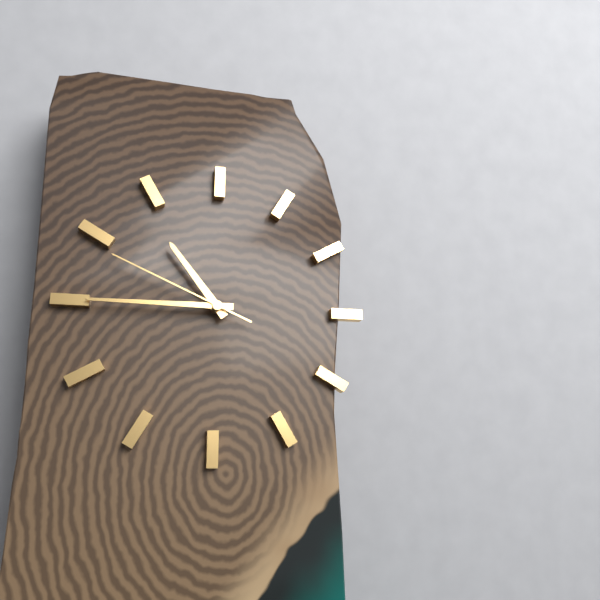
10:45:49
